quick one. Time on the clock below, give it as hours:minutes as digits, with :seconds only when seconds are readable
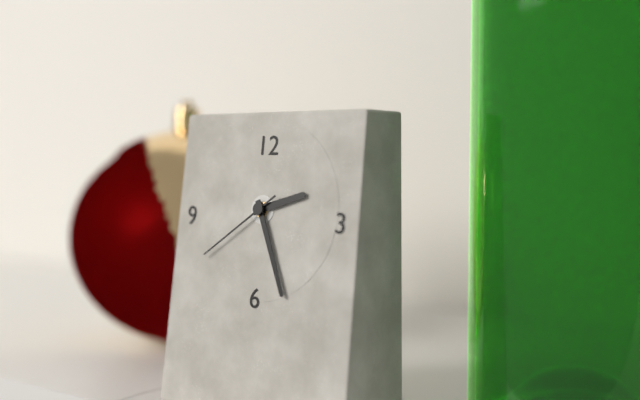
2:26:39
